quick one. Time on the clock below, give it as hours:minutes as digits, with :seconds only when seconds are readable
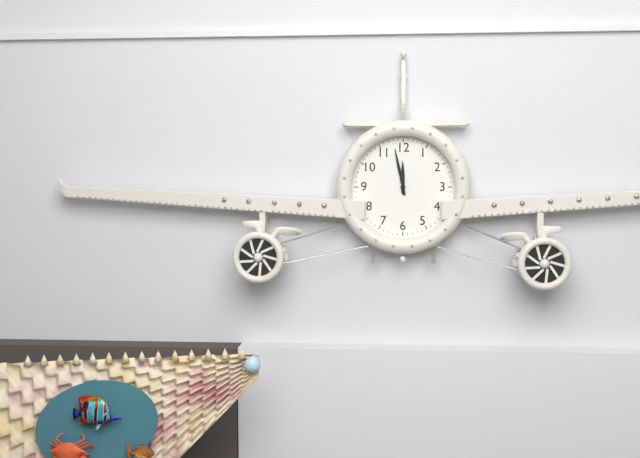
11:58
